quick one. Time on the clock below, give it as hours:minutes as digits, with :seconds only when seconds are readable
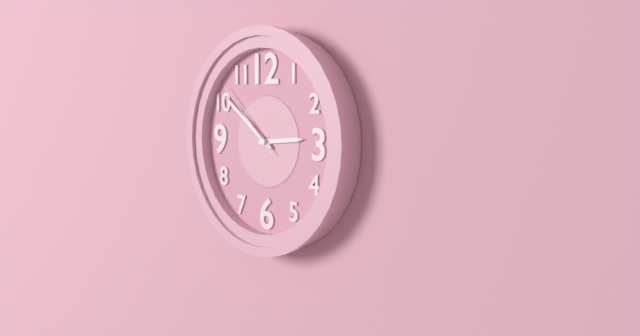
2:51:52
